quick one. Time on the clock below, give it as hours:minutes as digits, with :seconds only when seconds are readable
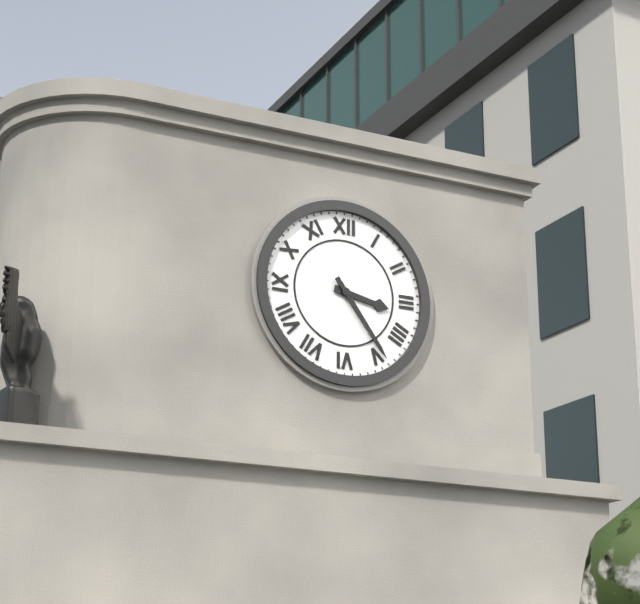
3:24
